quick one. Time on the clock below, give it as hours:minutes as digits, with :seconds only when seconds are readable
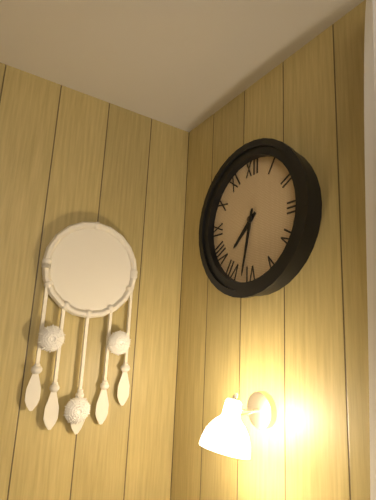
7:32
